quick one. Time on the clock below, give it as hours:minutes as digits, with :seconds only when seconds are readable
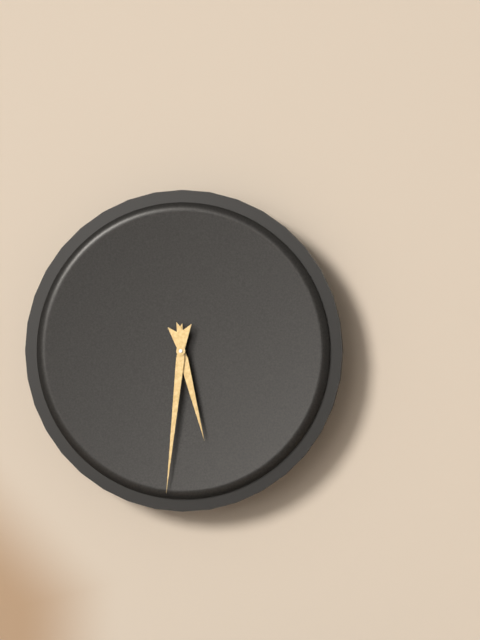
5:31
